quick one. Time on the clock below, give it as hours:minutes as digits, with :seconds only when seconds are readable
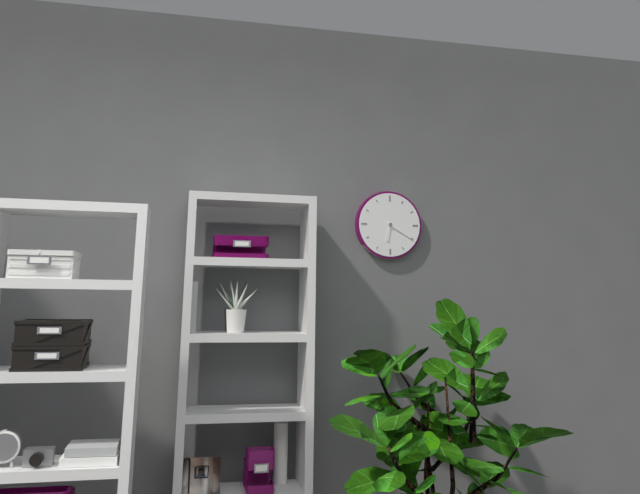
6:20
